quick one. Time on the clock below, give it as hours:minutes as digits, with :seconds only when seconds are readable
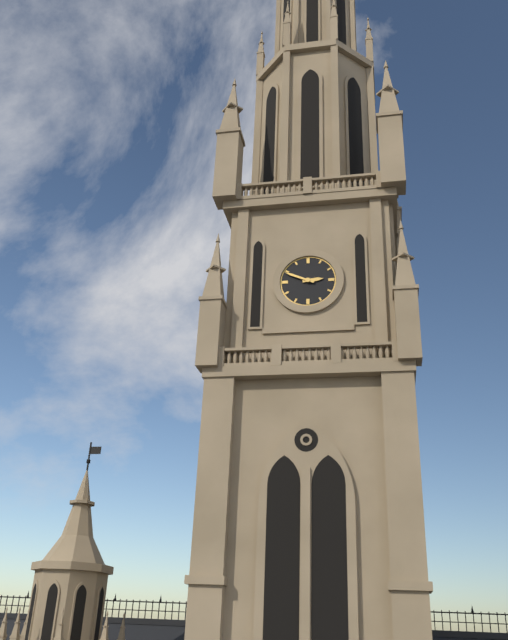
2:49
